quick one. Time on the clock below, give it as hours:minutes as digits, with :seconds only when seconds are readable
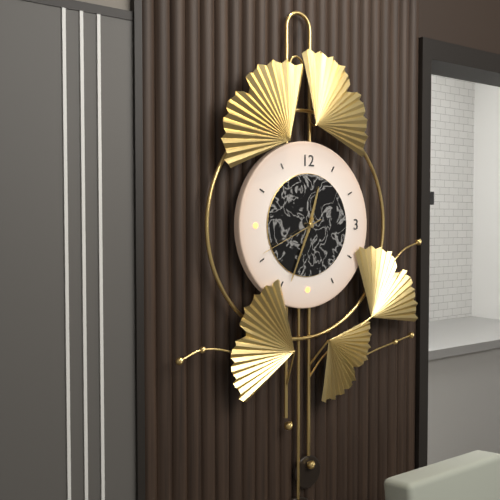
12:34:41
